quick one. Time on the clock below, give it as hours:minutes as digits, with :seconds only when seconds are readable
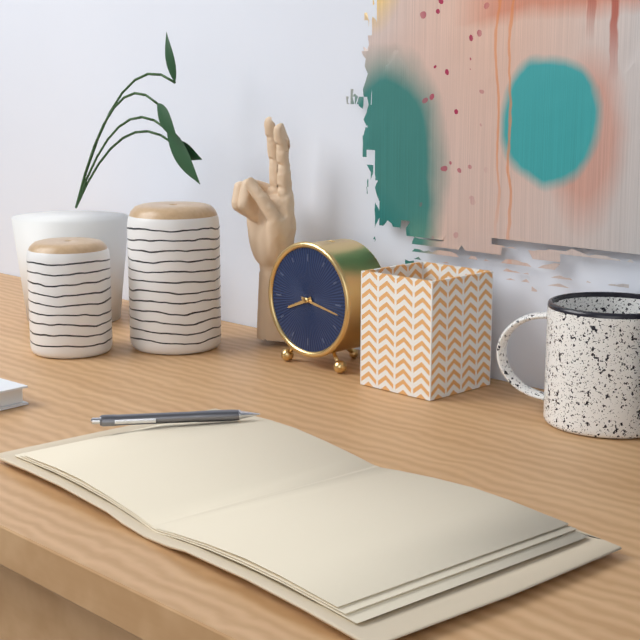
8:17
